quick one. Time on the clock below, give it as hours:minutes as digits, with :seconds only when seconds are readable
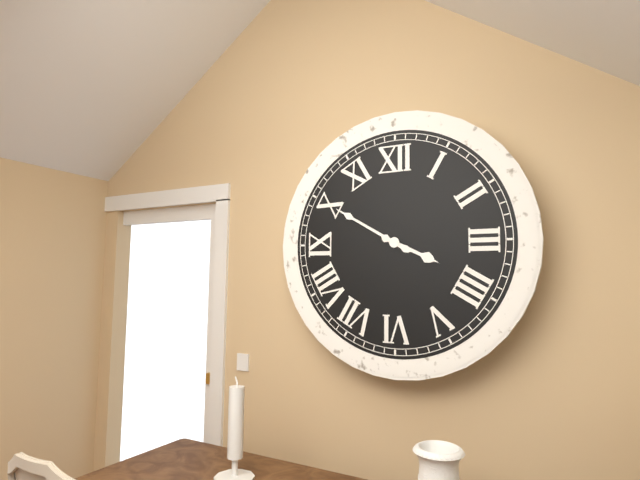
3:50
